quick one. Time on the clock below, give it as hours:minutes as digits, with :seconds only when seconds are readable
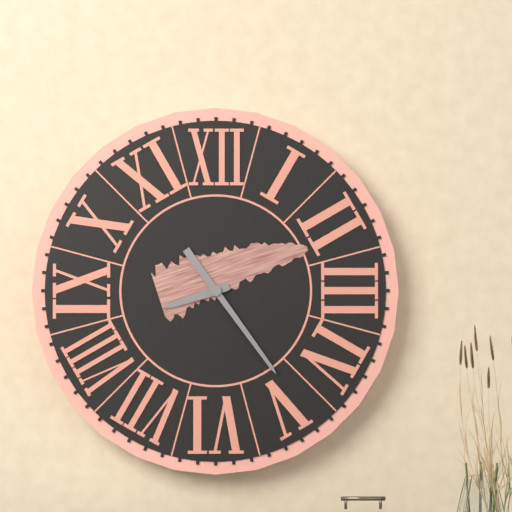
8:24
